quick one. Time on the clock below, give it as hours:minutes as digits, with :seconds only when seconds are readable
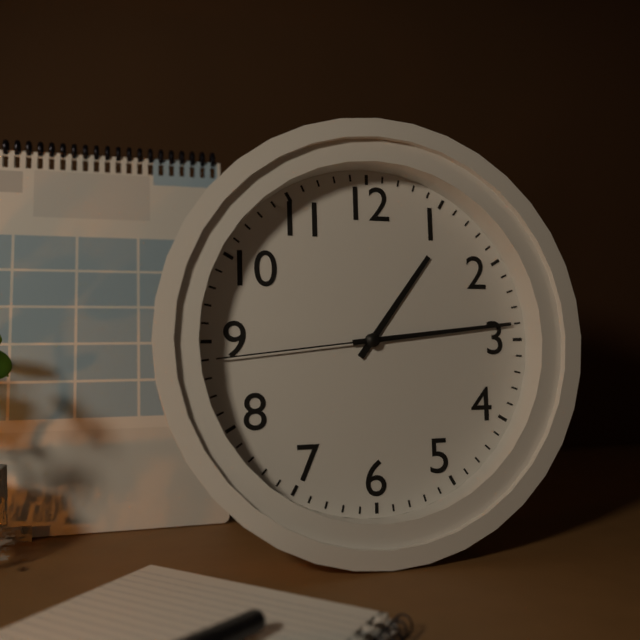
1:14:44
